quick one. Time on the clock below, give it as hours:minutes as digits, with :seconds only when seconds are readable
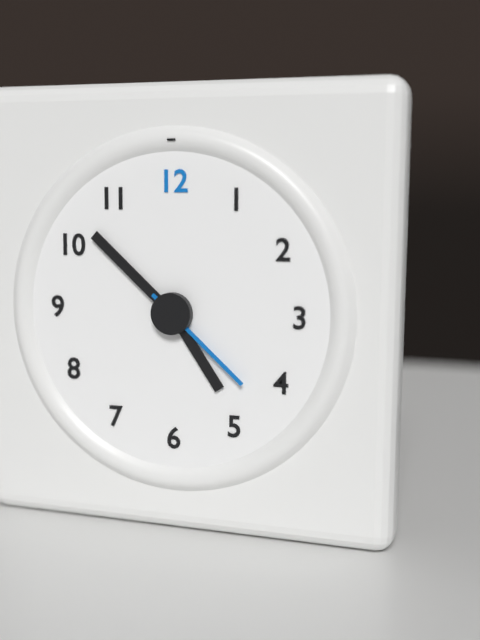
4:52:22
